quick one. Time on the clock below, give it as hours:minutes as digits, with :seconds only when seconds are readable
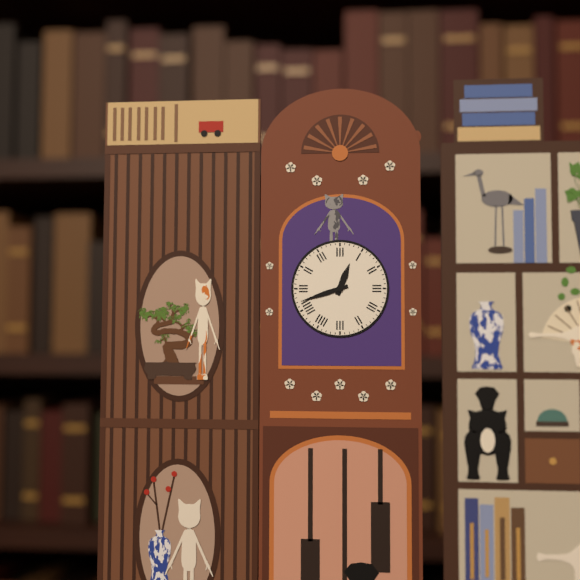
12:42
